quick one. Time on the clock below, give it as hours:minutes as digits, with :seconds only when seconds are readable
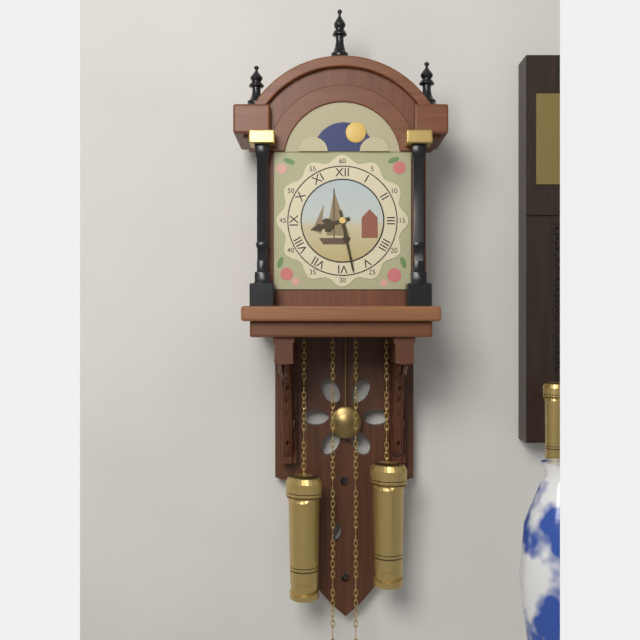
8:28
